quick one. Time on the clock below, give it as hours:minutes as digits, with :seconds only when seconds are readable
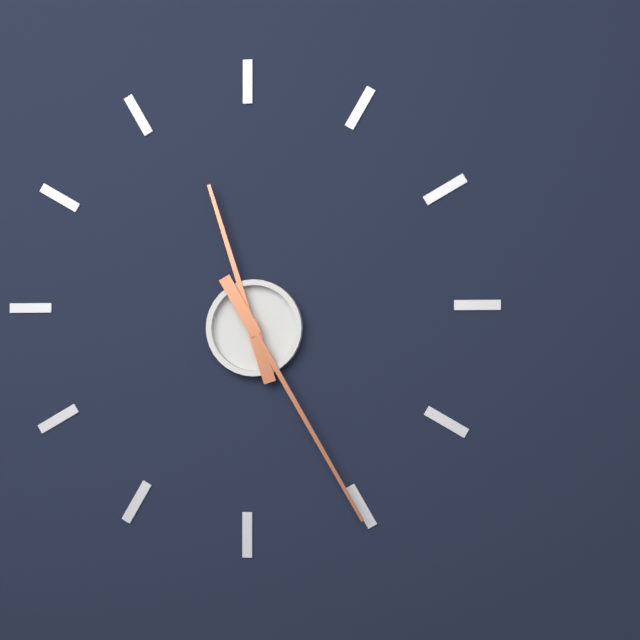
11:25
